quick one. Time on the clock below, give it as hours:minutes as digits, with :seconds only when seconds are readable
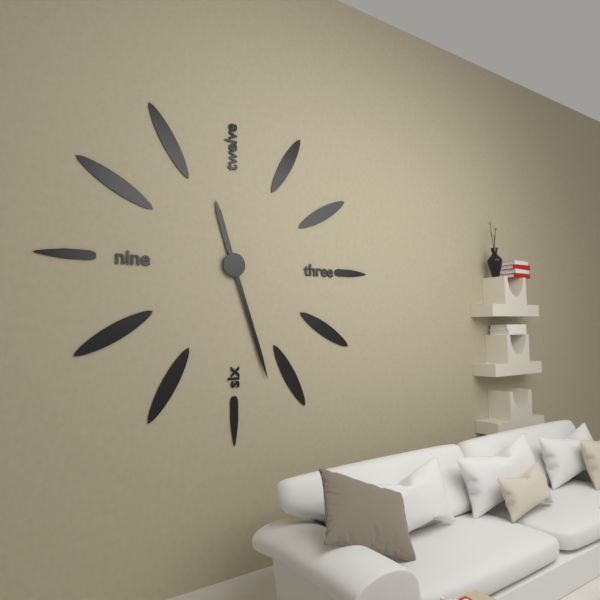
11:27
